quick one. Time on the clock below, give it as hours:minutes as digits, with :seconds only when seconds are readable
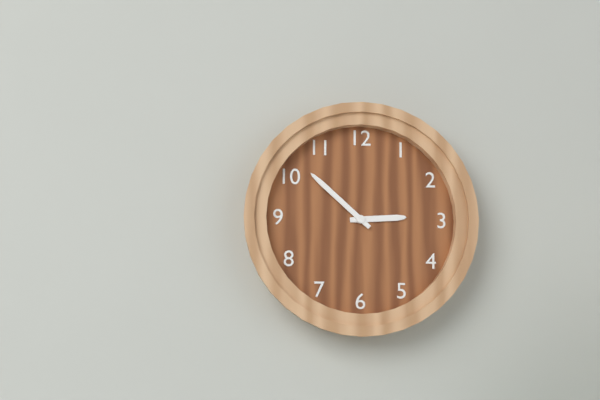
2:52
